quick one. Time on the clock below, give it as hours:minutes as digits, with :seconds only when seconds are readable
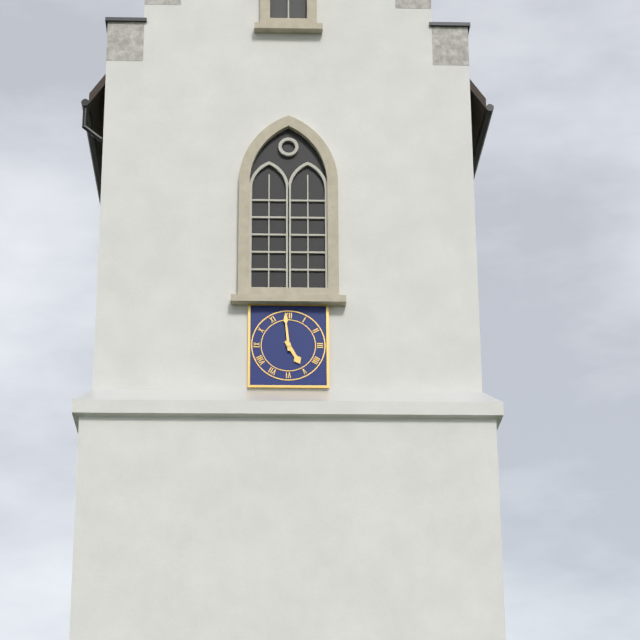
4:59
